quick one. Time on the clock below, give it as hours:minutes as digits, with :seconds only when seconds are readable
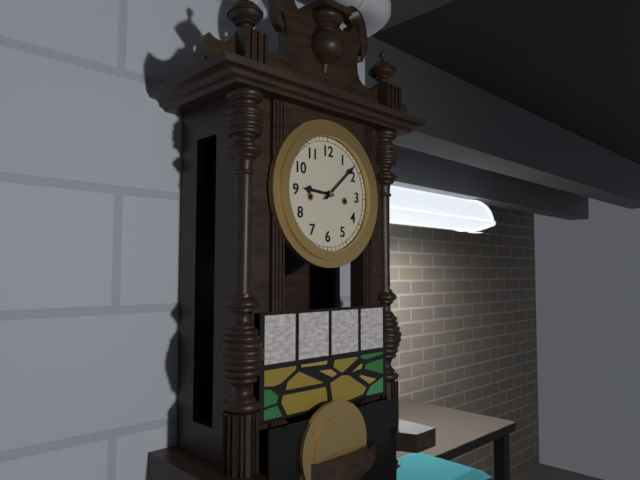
9:08
